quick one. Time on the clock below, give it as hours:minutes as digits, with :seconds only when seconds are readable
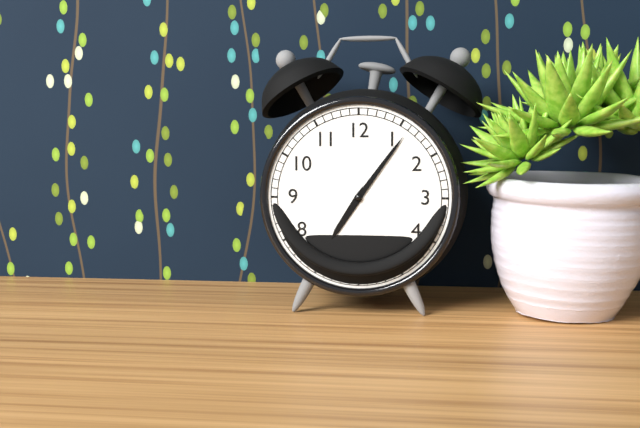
7:06
